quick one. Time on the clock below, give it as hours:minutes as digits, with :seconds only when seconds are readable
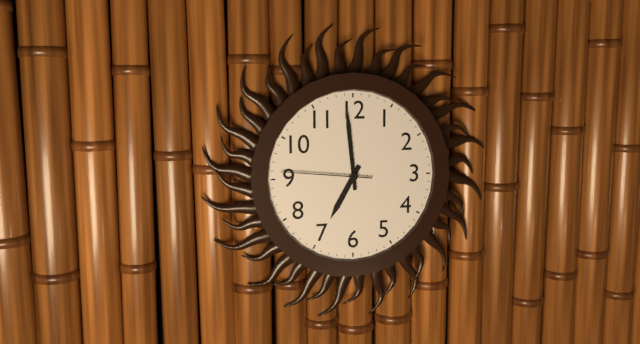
6:59:46
